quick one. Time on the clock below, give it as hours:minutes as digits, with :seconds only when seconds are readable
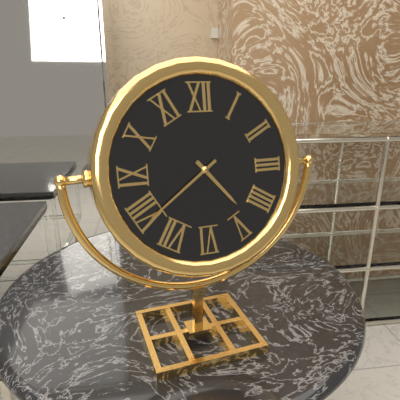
4:39
